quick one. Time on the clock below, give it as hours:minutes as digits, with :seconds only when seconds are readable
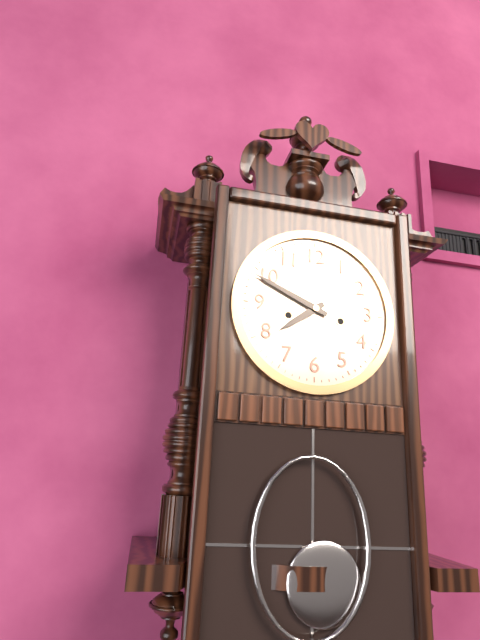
7:49
